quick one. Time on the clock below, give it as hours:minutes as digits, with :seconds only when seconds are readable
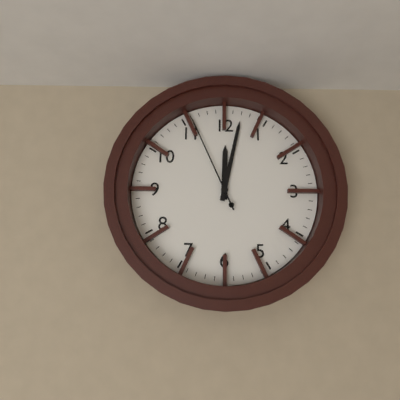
12:02:56
